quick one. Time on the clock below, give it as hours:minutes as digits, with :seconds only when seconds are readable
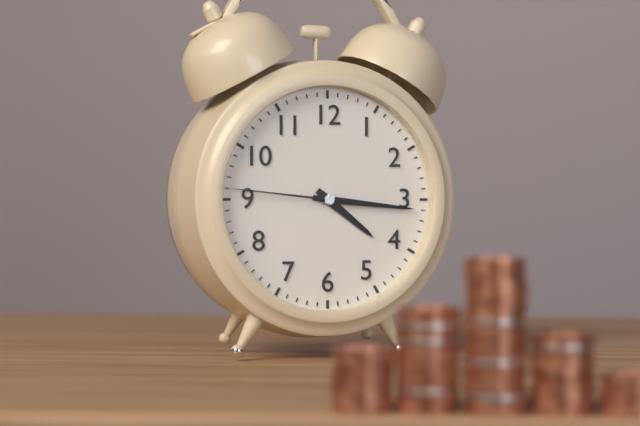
4:16:46
